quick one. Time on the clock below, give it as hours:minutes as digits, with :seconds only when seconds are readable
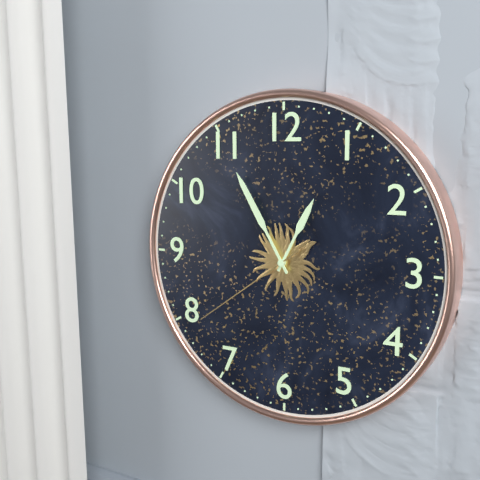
12:55:39
